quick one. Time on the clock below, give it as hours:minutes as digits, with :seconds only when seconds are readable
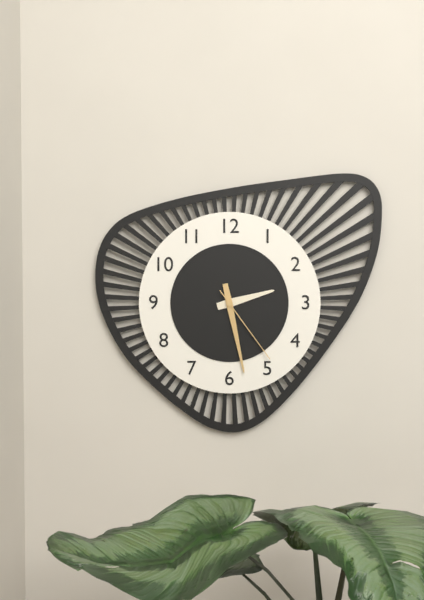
2:28:24
